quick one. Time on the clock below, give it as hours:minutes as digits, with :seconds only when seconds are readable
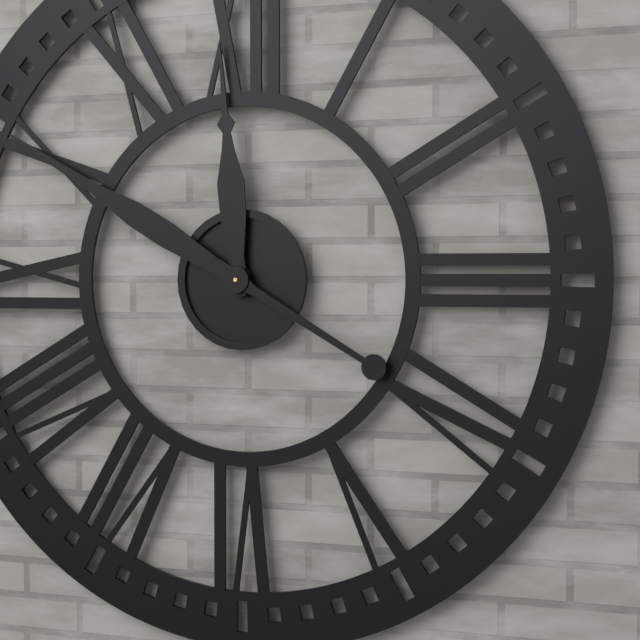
11:50
